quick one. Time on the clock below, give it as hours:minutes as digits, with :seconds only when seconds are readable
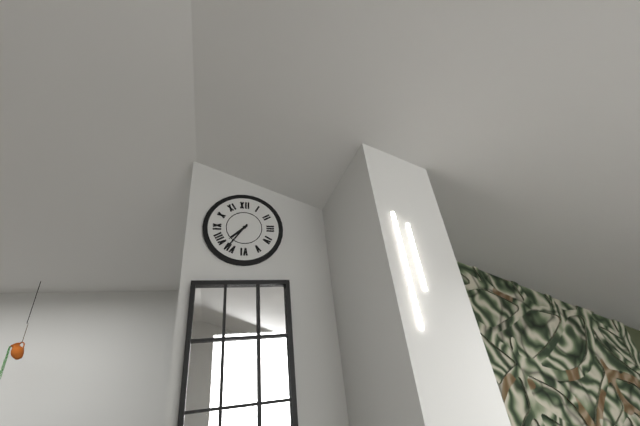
7:36
